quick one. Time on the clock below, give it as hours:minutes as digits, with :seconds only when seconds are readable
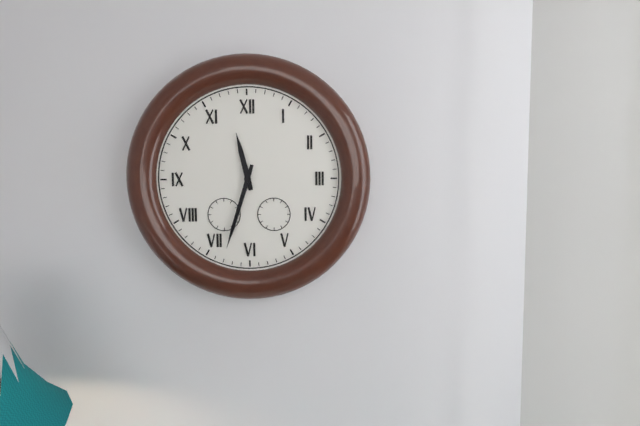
11:33
